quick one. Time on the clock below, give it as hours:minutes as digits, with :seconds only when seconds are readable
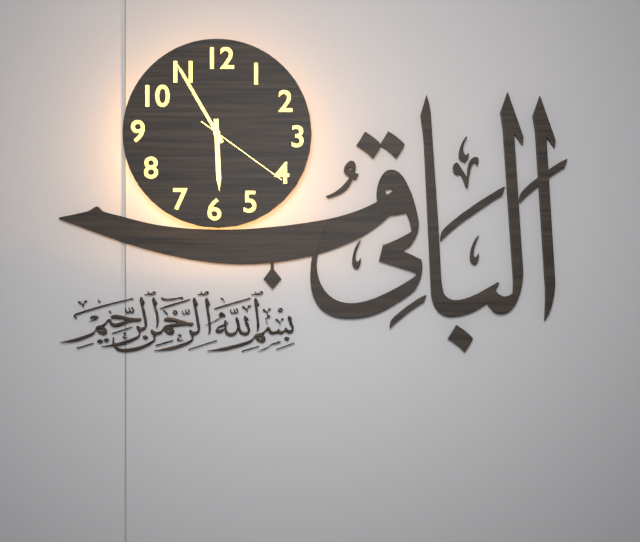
5:55:21
